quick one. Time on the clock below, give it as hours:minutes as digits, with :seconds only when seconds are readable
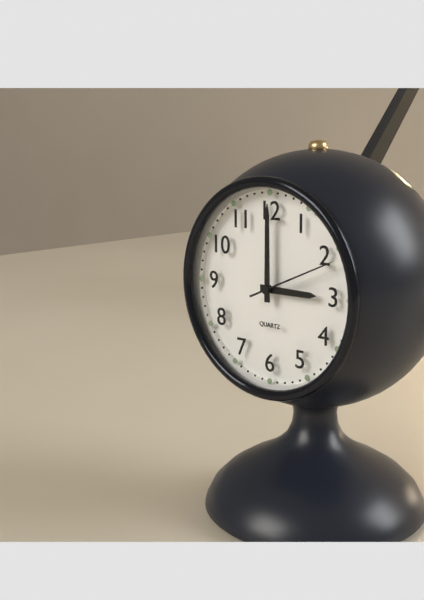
3:00:11
